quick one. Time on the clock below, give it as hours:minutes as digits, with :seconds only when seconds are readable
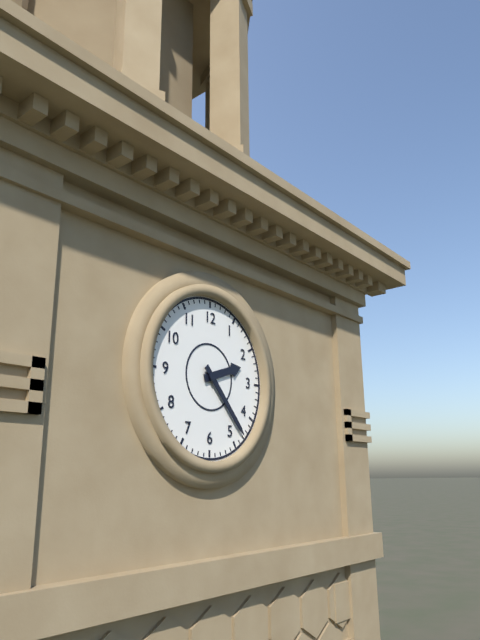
2:23
